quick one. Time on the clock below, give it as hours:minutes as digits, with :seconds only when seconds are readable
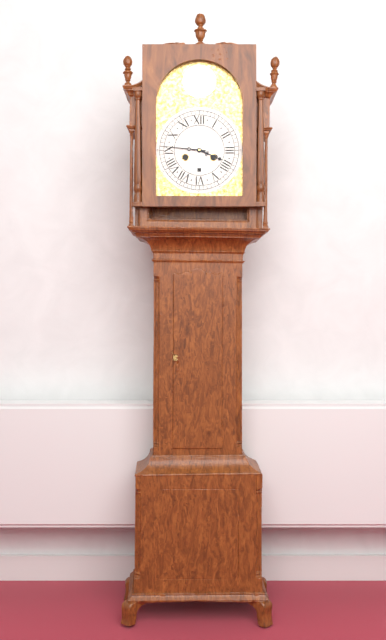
3:46
